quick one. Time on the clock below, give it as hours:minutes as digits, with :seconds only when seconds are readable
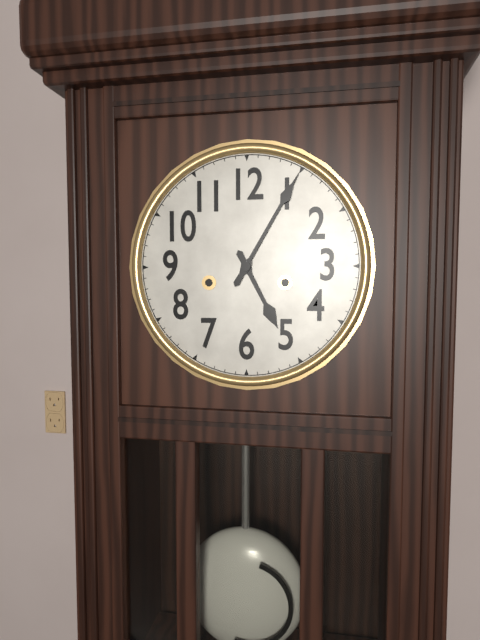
5:05
